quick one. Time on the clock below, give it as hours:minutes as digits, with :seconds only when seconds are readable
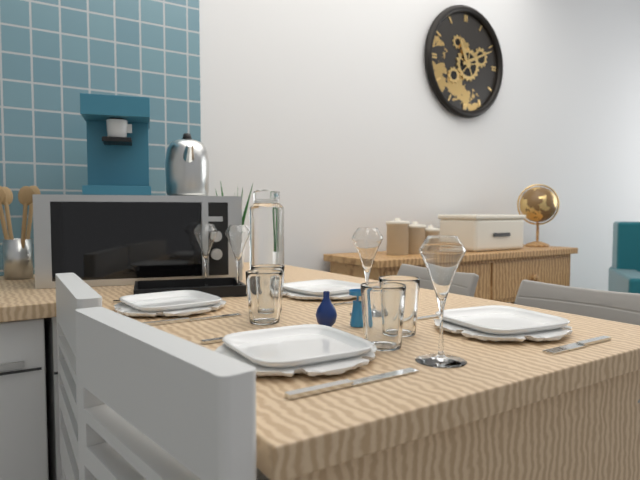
11:11
